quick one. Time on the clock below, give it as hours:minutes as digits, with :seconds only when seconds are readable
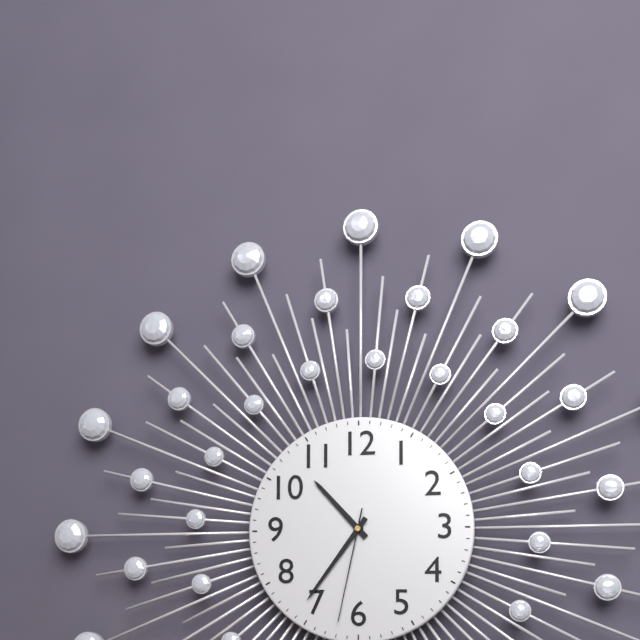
10:36:32
